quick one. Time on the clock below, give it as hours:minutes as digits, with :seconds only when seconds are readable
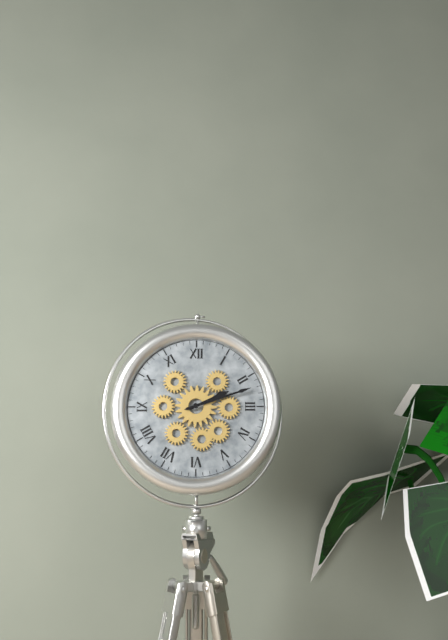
2:12
